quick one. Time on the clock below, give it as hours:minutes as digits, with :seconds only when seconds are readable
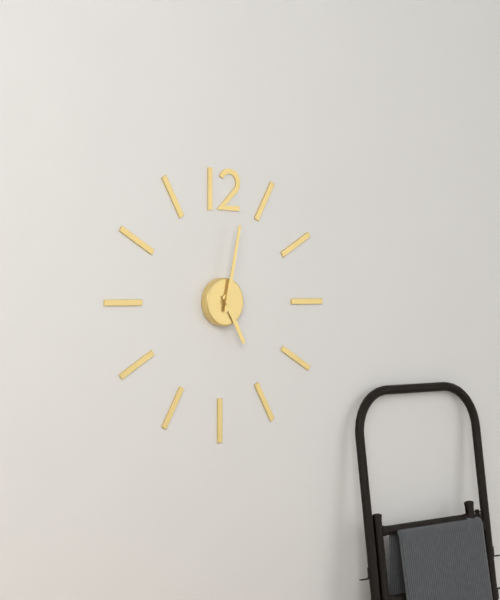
5:02
